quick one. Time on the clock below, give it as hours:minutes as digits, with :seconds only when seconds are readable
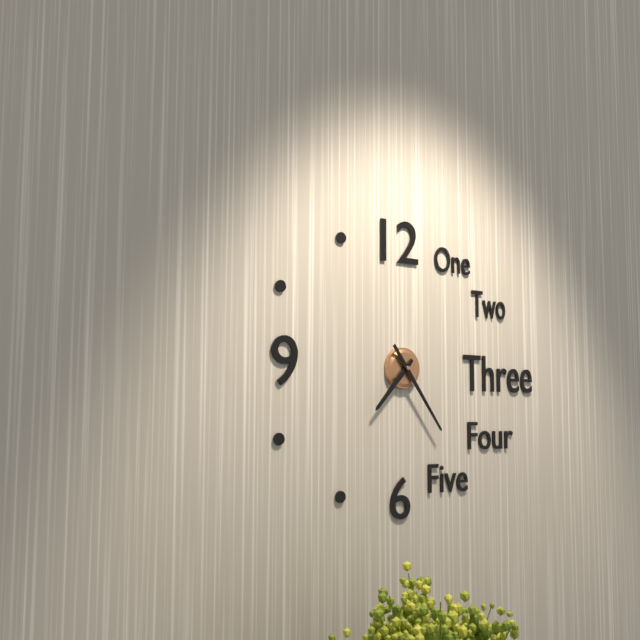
7:24
